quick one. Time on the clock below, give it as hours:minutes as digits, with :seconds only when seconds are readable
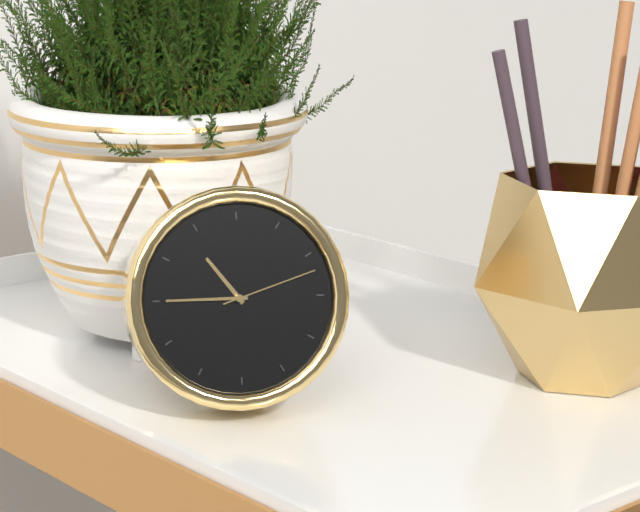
10:45:12
